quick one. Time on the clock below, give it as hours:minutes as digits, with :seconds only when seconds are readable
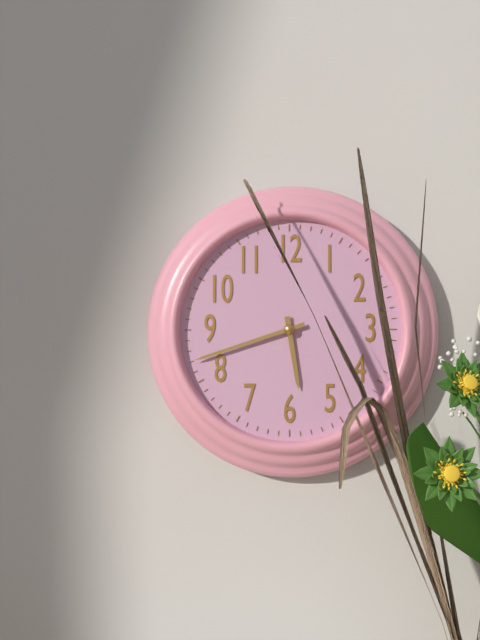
5:42
